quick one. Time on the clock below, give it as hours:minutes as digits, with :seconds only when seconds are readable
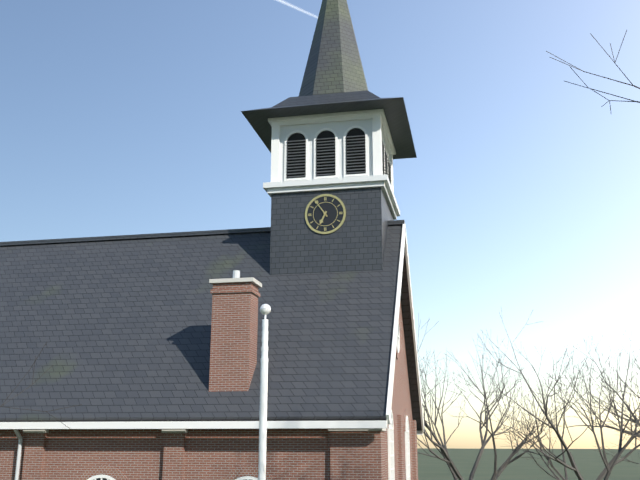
6:54
